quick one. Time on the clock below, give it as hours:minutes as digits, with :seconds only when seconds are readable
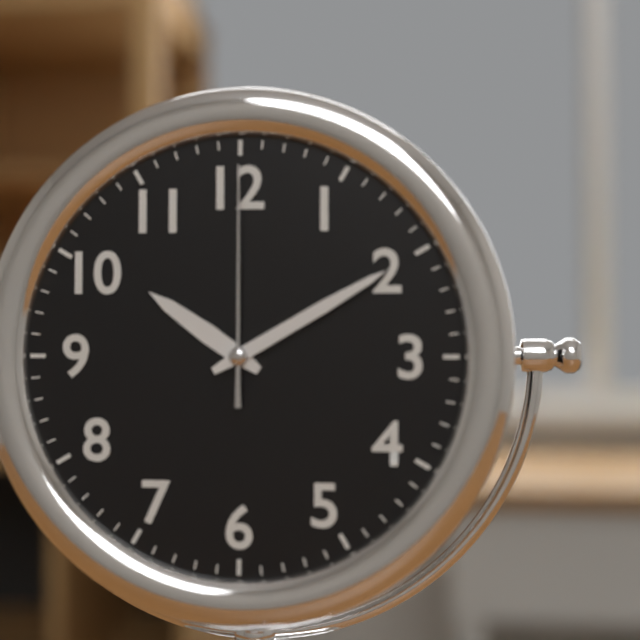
10:10:00
